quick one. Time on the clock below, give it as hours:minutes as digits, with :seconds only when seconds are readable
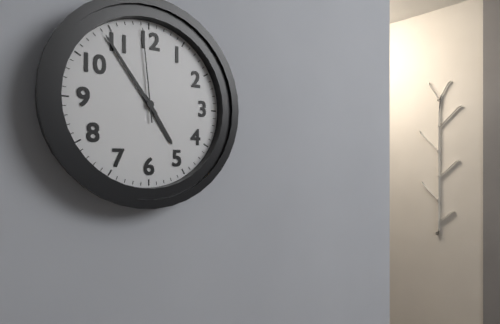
4:54:59
